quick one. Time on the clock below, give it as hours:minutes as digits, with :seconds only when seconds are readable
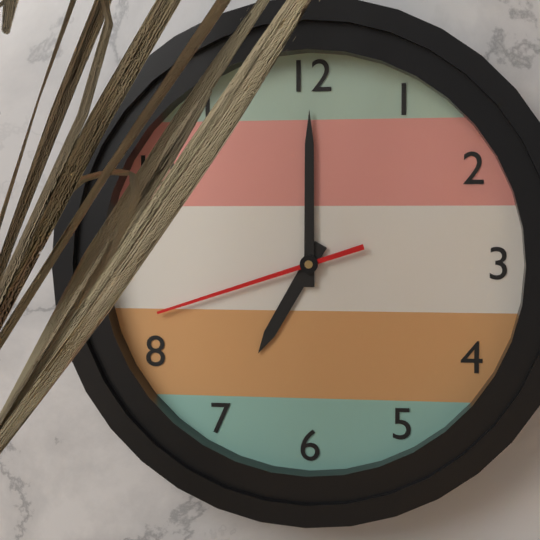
7:00:42
